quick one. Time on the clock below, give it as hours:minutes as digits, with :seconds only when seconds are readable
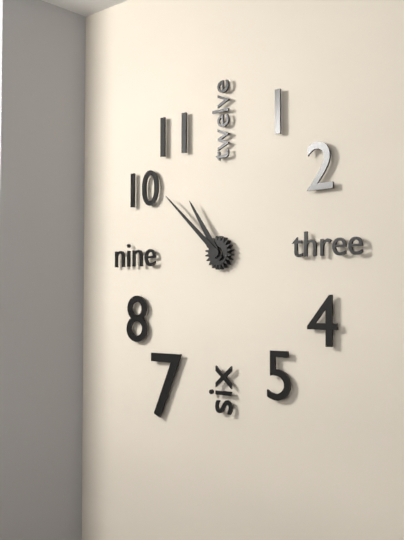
10:52
